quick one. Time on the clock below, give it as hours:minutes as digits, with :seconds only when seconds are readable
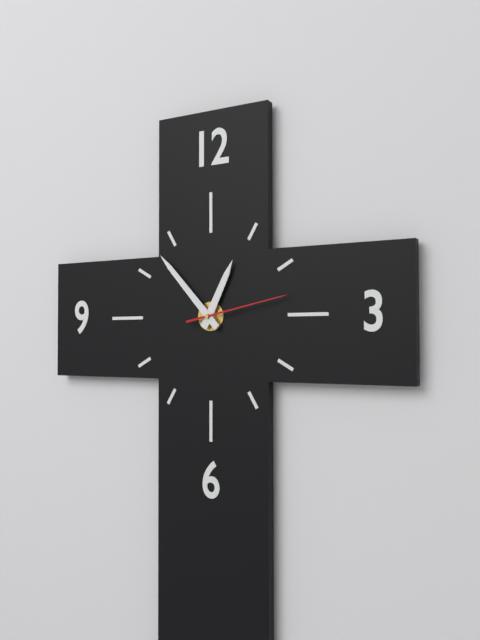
12:53:13
